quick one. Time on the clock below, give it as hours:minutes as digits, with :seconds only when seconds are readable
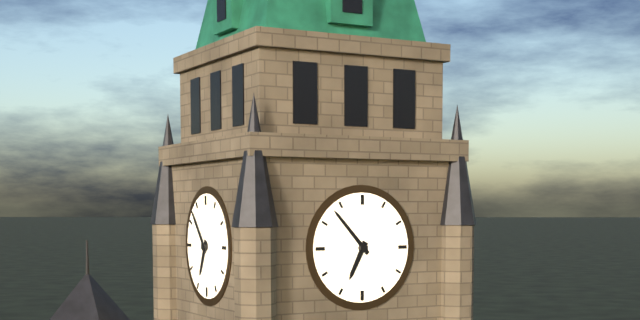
6:53
